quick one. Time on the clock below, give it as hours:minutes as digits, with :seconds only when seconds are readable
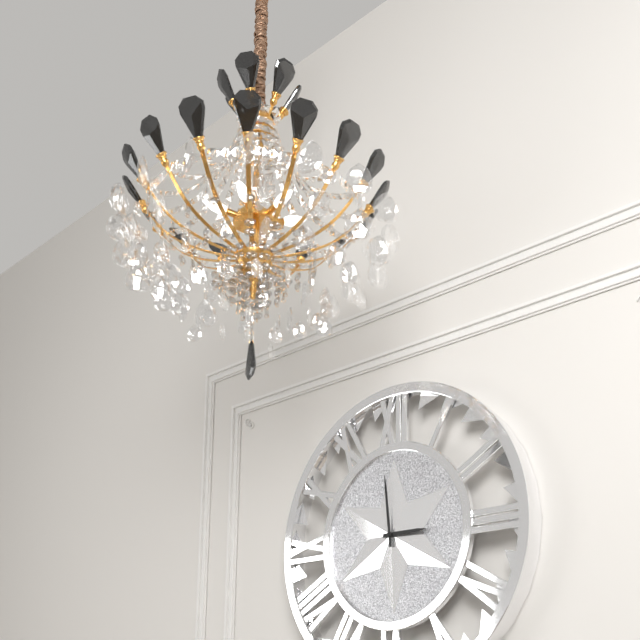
2:59
